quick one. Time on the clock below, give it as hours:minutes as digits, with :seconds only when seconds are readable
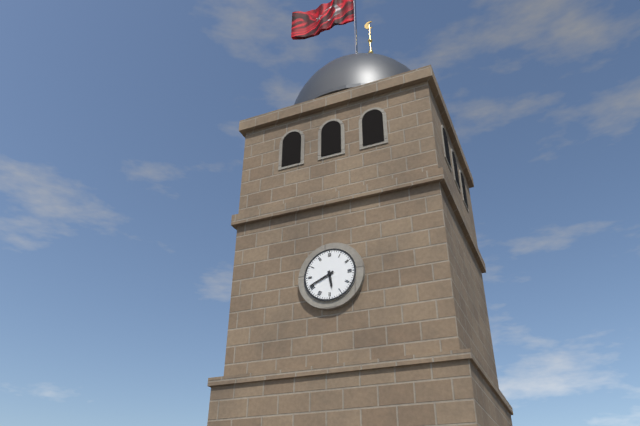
5:41
